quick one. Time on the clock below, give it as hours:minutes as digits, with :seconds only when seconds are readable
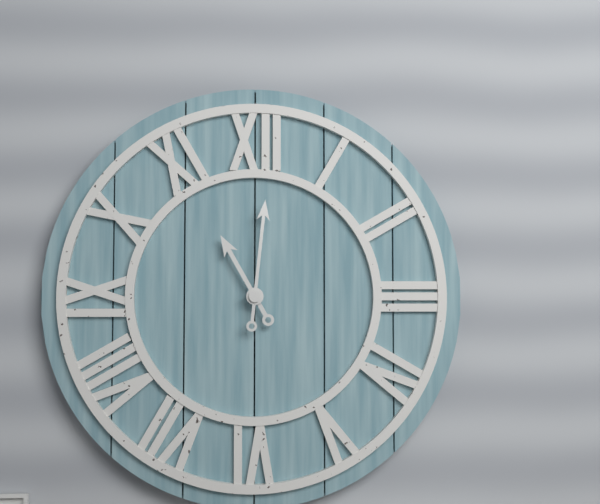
11:01
